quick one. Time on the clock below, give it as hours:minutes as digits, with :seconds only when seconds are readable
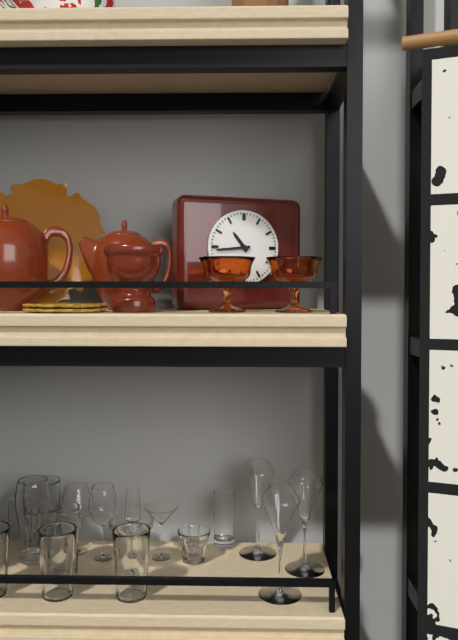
10:44
